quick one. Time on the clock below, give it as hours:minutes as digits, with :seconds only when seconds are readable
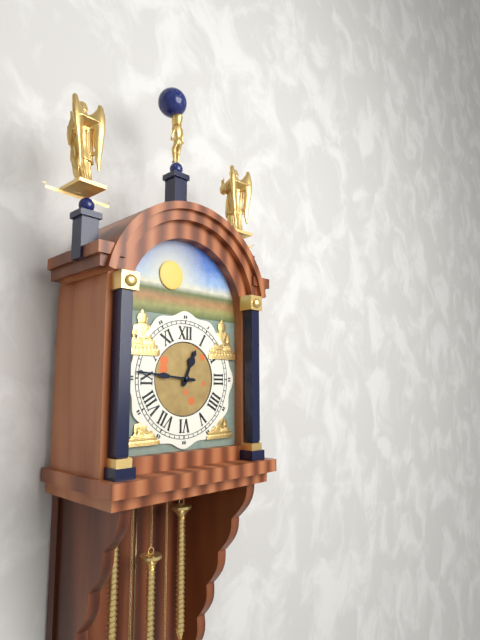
12:46
